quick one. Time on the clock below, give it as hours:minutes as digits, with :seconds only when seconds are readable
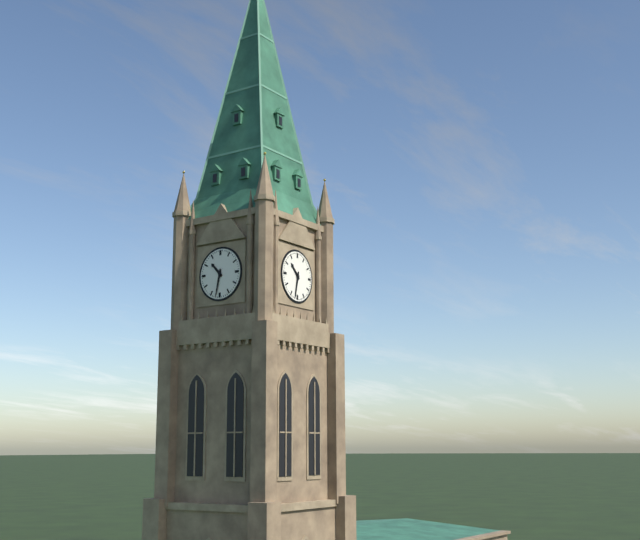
10:32
